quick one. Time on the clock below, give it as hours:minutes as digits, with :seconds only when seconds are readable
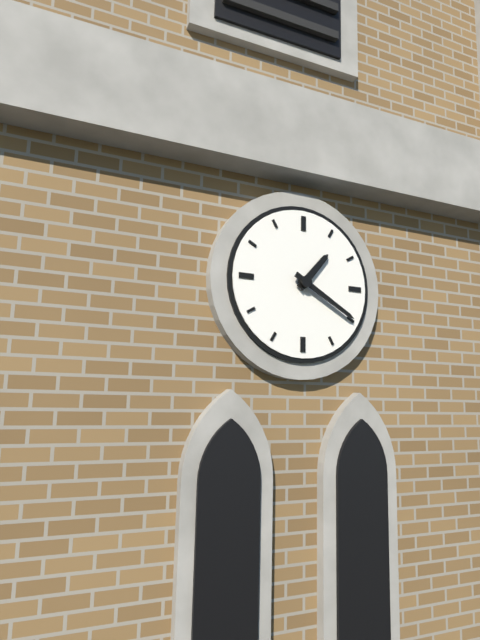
1:20
